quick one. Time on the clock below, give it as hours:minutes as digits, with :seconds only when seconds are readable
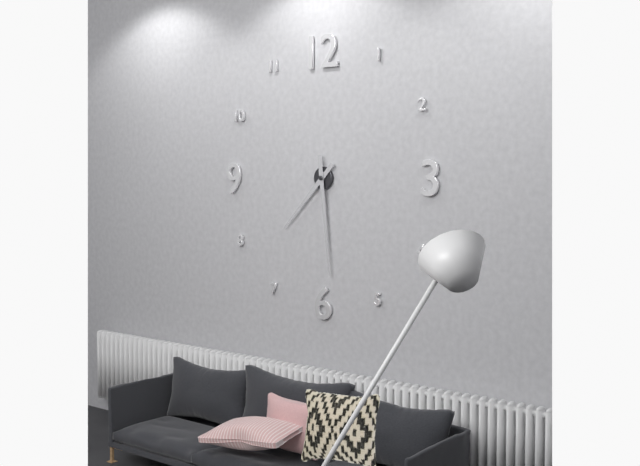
7:29
